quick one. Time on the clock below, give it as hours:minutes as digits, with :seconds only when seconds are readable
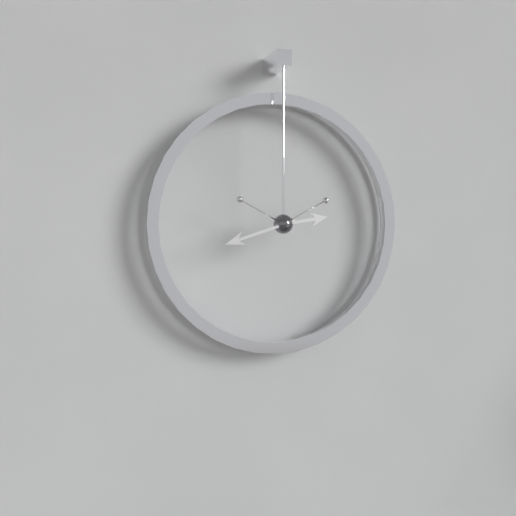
2:42
